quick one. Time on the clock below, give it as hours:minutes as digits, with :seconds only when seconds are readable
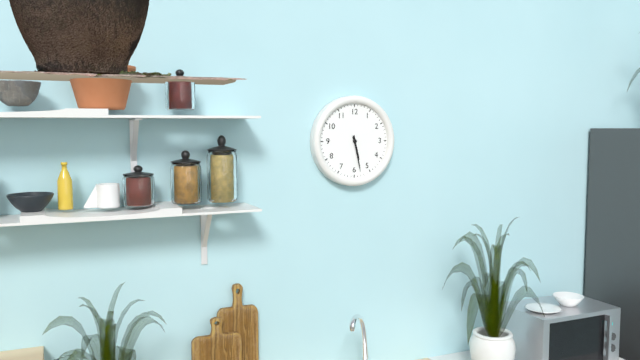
5:28
